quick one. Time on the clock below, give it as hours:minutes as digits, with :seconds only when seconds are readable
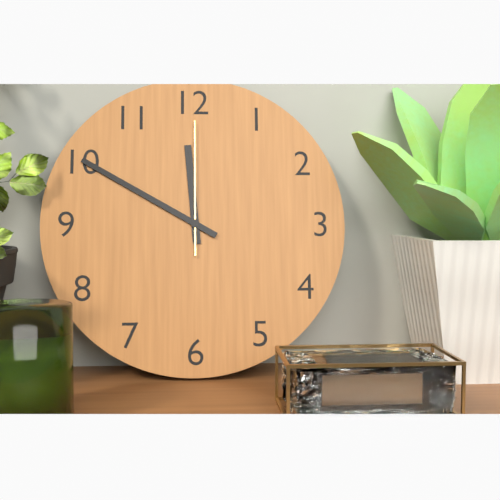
11:50:00
